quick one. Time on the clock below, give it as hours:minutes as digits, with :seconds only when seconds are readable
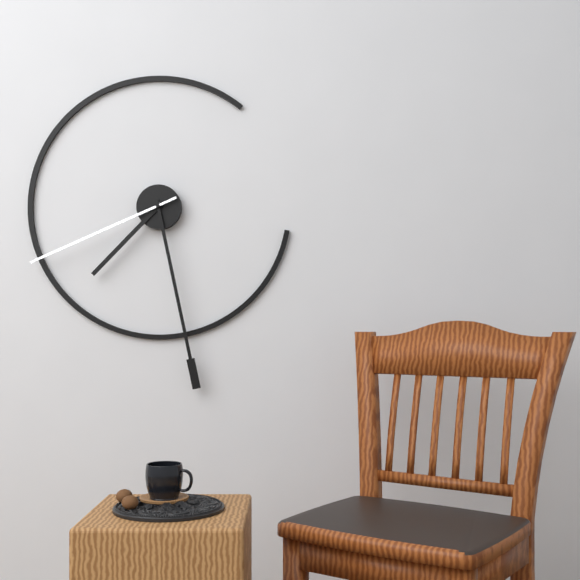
7:28:41
